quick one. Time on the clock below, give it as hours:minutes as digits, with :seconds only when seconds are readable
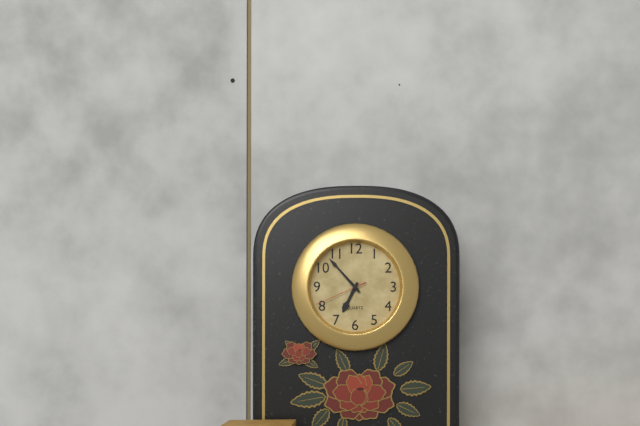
6:53:41
